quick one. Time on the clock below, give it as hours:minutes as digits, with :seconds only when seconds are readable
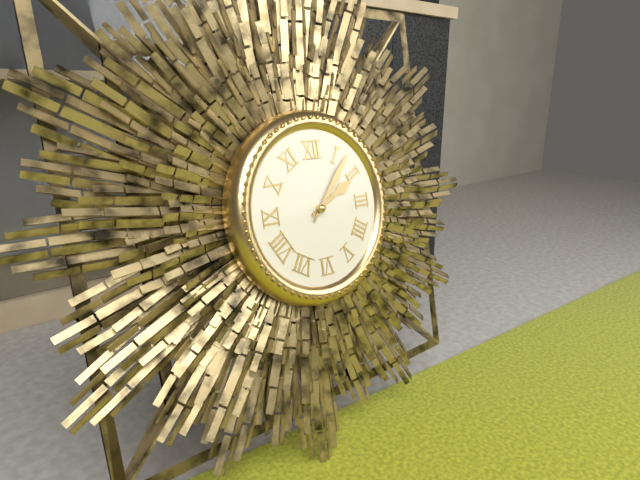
2:07
